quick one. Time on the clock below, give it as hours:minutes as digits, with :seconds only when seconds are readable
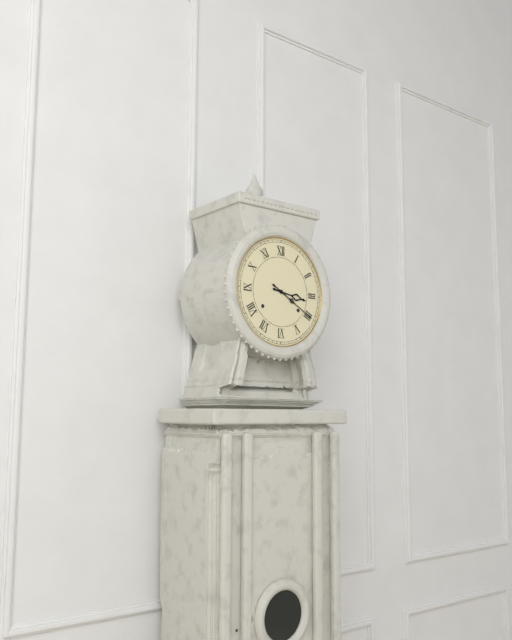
3:20
